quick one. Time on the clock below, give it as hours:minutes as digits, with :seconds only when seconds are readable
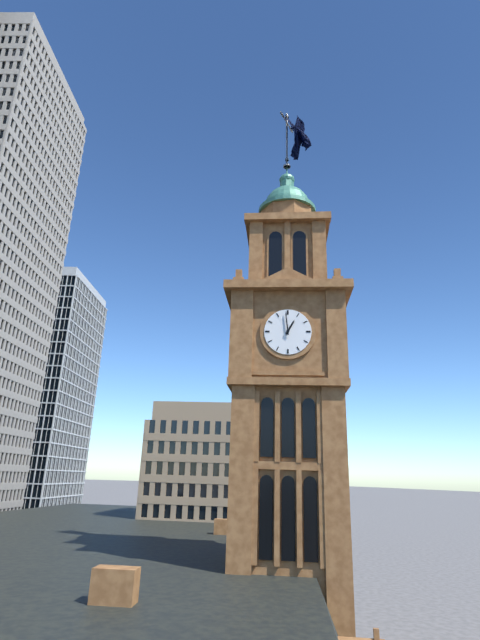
12:59
